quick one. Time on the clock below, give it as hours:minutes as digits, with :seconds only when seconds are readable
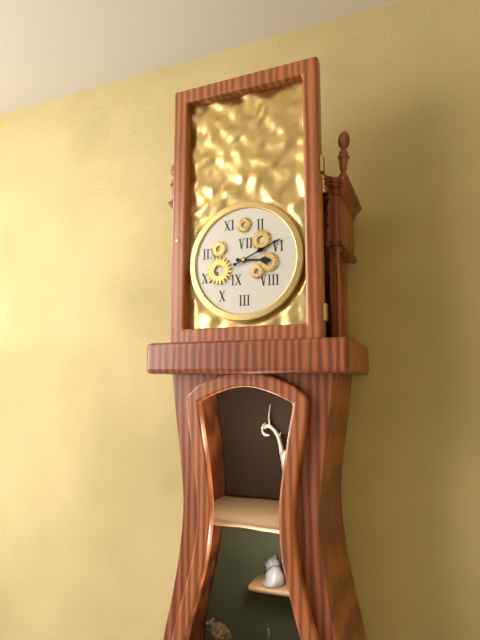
3:11
